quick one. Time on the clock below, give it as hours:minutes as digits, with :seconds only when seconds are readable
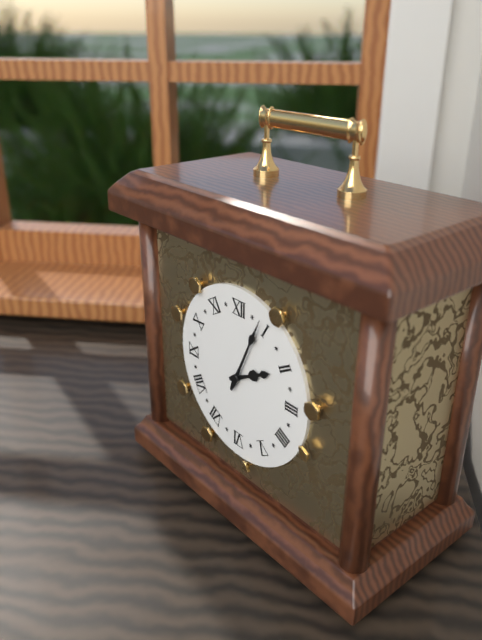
2:04
